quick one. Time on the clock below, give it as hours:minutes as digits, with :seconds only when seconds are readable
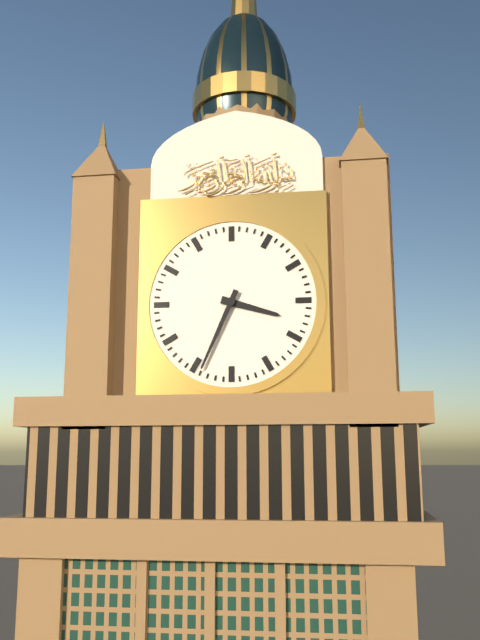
3:34
